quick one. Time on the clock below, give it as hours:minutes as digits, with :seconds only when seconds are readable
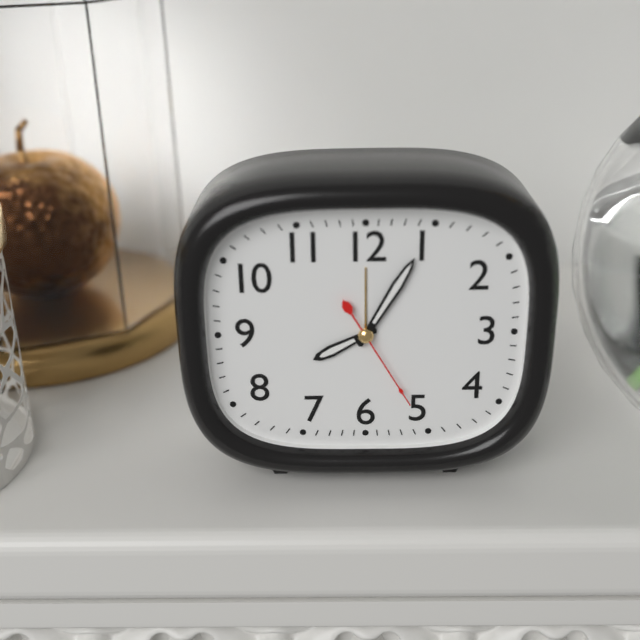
8:05:25
